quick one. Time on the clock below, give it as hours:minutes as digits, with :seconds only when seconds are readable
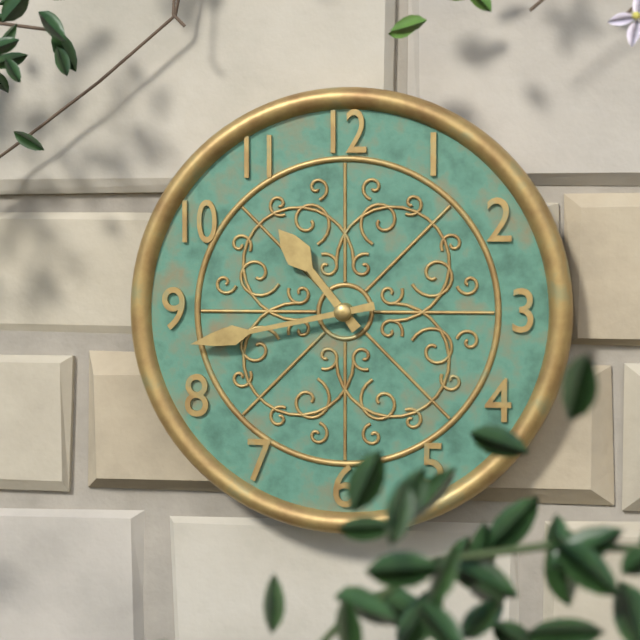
10:43
